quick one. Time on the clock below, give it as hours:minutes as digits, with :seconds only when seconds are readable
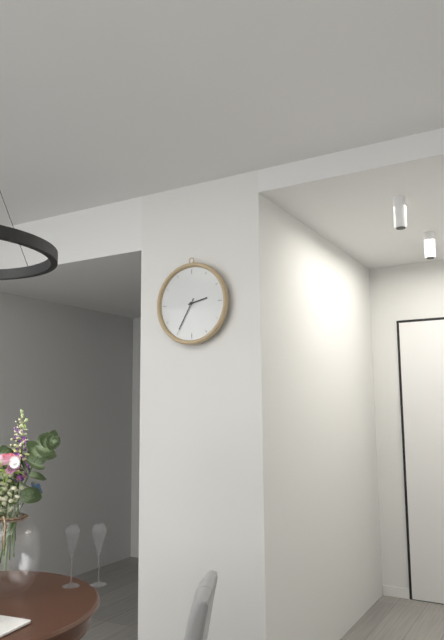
2:35
